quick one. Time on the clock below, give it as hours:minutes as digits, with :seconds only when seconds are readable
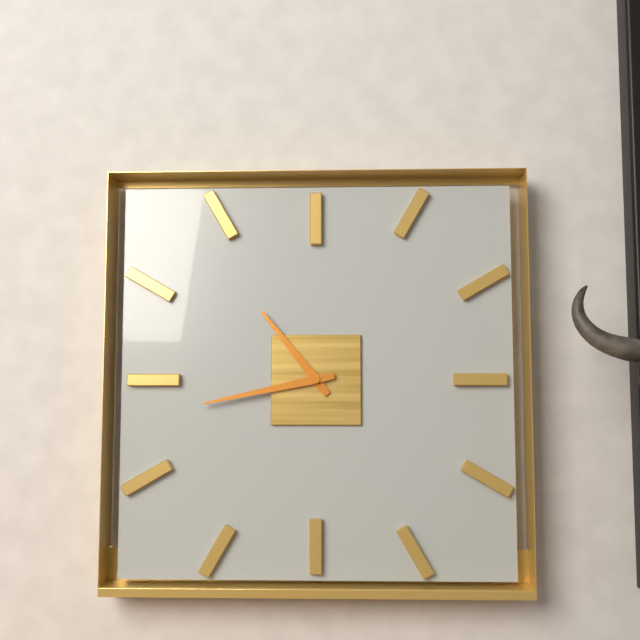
10:43
